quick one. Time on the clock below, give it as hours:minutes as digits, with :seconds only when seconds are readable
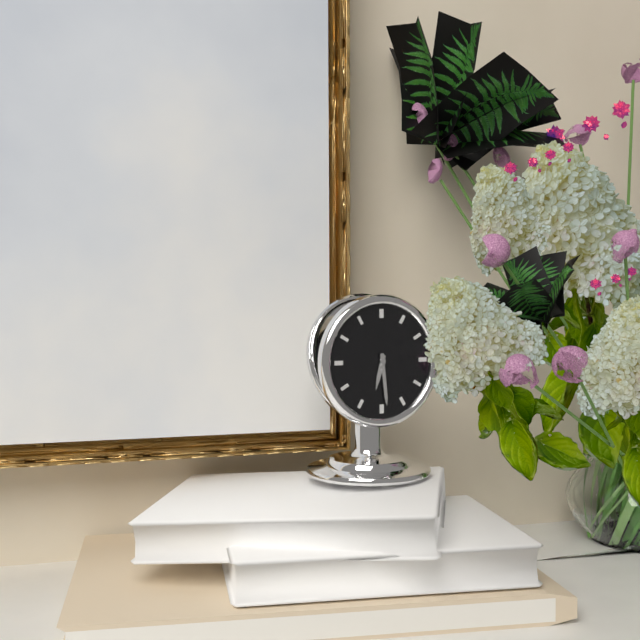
6:29
